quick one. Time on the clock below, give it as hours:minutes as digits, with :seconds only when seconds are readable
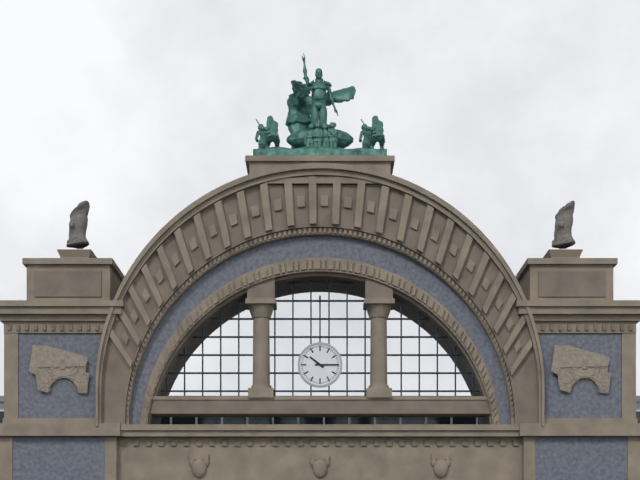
10:15
